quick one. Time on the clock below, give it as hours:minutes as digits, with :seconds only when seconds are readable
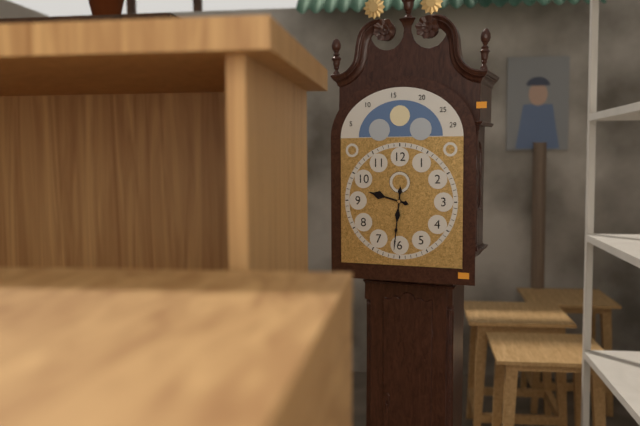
9:31
